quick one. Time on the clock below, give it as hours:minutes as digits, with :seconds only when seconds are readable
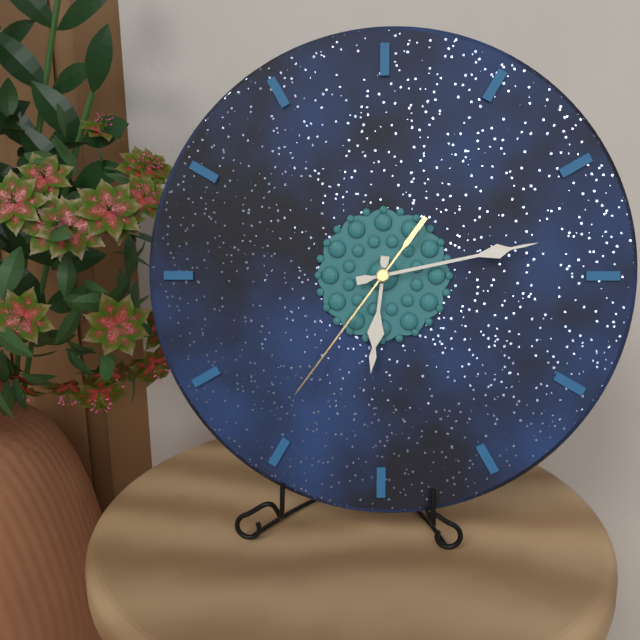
6:13:36
